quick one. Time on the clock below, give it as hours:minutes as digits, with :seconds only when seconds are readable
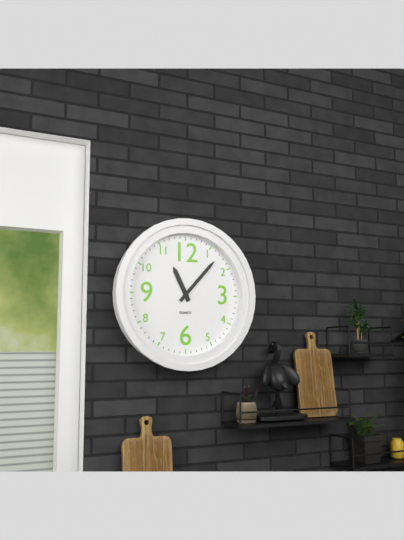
11:07
